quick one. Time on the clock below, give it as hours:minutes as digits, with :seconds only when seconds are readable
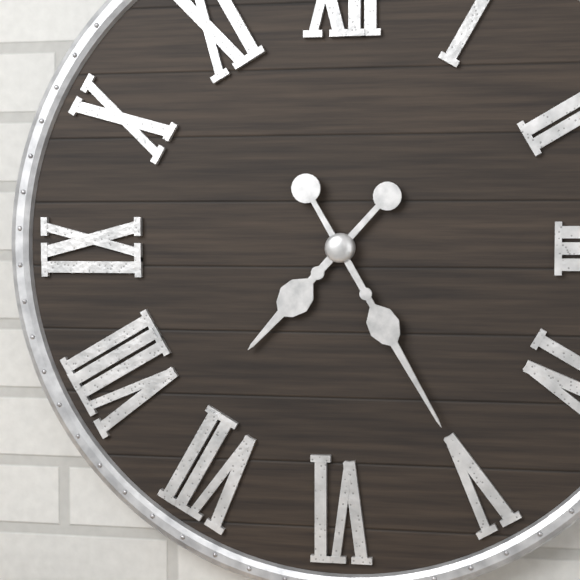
7:25
